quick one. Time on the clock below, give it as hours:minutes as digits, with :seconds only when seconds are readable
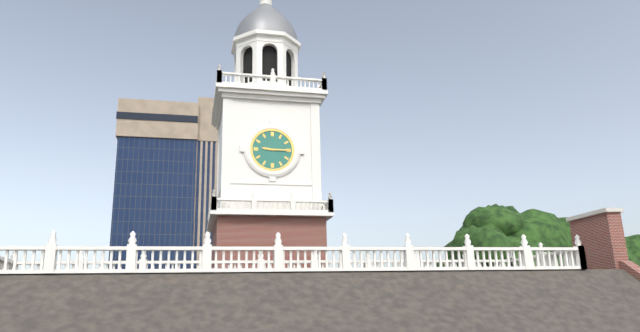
9:15
